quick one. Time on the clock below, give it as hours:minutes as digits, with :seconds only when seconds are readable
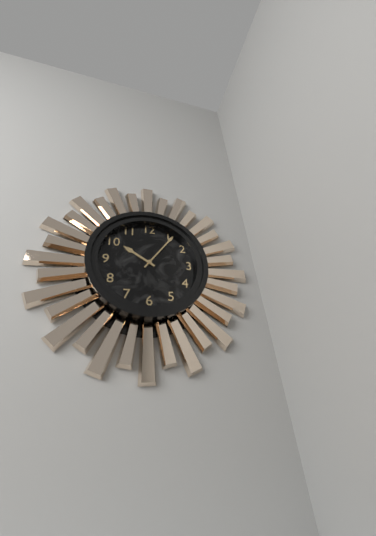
10:06
